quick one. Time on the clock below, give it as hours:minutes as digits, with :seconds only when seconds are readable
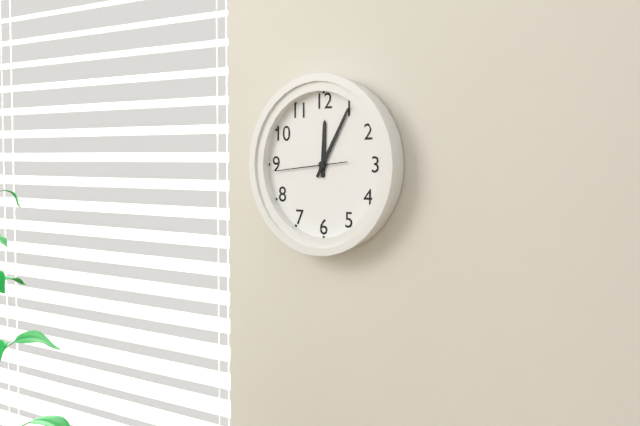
12:05:44
